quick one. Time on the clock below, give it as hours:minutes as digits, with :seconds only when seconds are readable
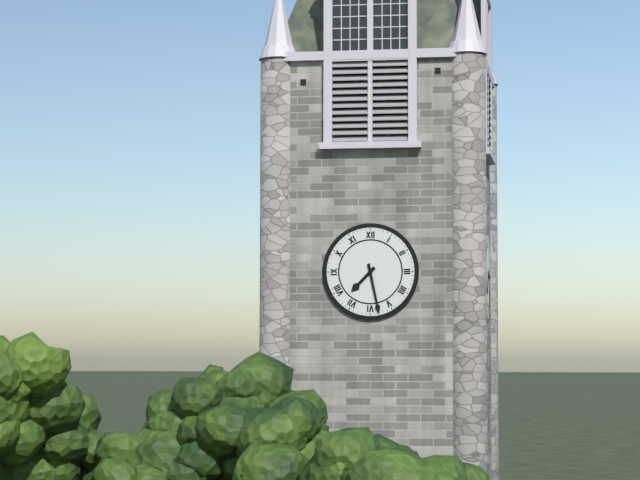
7:28
